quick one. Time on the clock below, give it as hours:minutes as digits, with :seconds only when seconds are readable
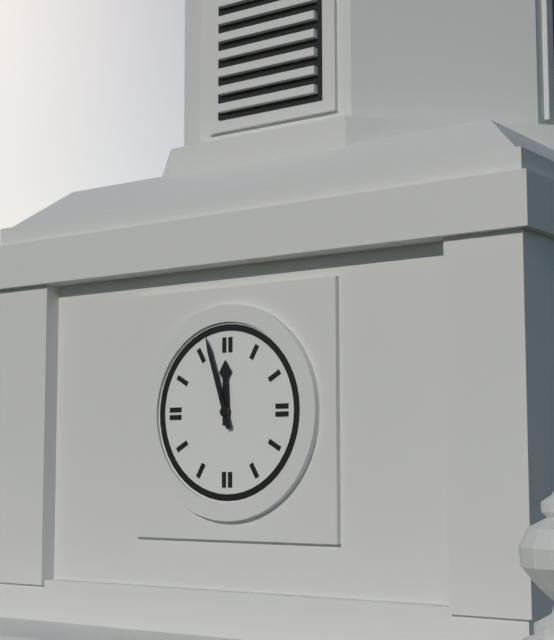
11:57
